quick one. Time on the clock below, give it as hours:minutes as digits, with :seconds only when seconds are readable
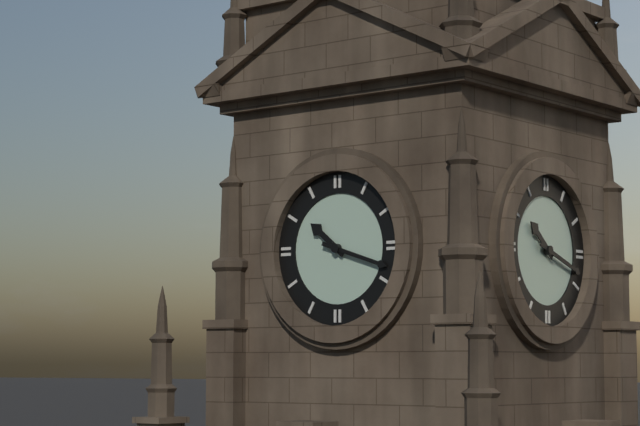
10:18
